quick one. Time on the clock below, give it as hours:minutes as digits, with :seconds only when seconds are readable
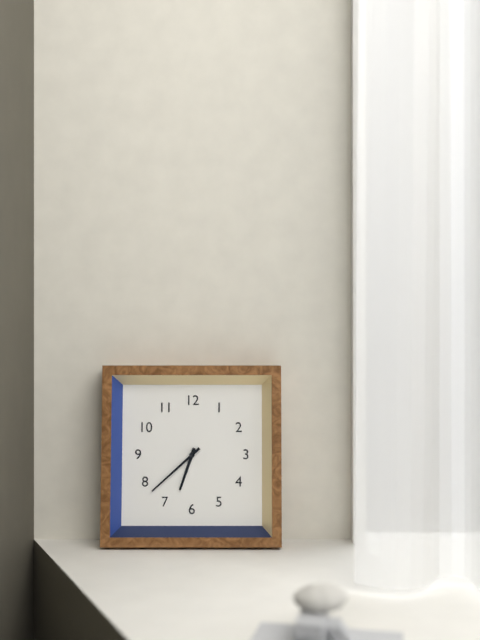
6:38
